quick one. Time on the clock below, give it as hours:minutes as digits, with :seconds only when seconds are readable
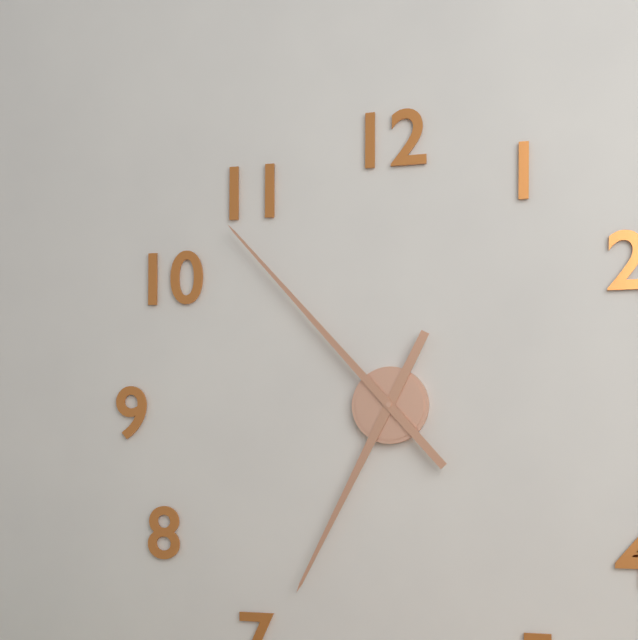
6:53
